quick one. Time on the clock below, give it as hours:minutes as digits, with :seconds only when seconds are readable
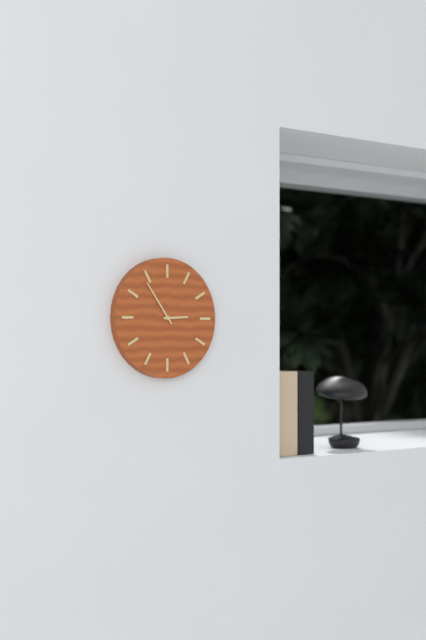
2:54
